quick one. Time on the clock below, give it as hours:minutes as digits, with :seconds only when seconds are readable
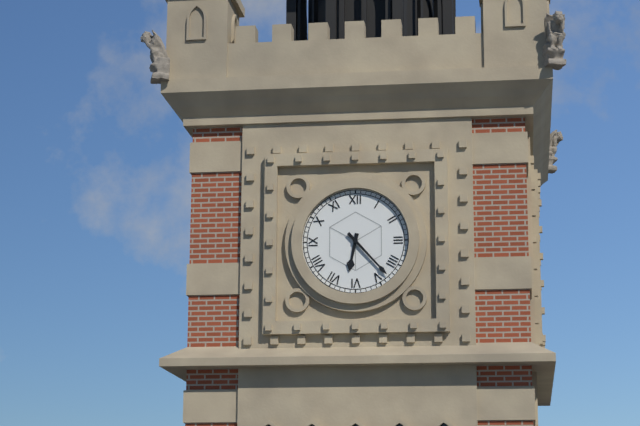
6:23
